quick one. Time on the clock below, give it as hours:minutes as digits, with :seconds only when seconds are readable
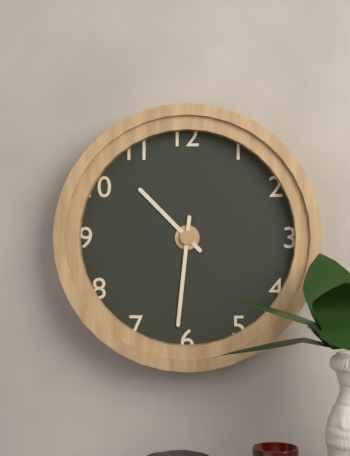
10:31
